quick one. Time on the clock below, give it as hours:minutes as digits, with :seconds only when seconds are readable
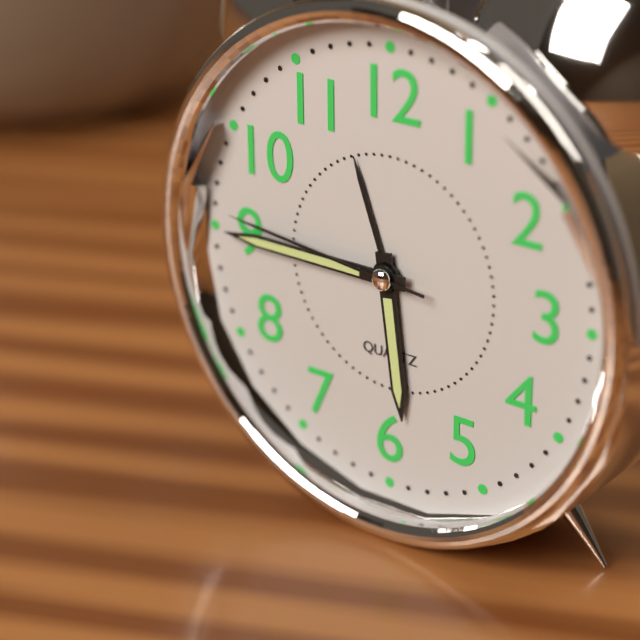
5:45:46
